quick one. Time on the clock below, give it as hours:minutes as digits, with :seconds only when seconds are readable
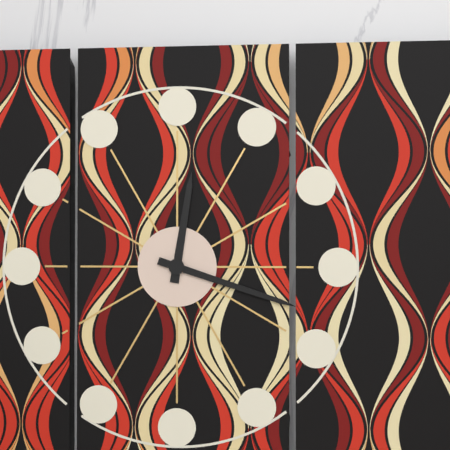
12:18
